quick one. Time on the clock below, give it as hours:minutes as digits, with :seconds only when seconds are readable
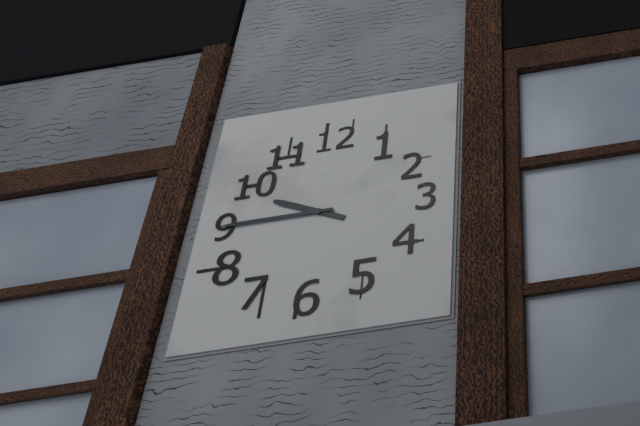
9:45
